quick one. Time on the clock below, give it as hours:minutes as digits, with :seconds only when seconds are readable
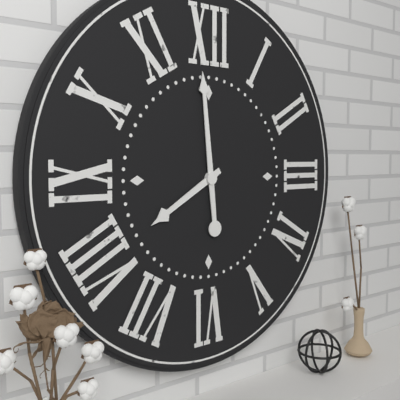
7:59
